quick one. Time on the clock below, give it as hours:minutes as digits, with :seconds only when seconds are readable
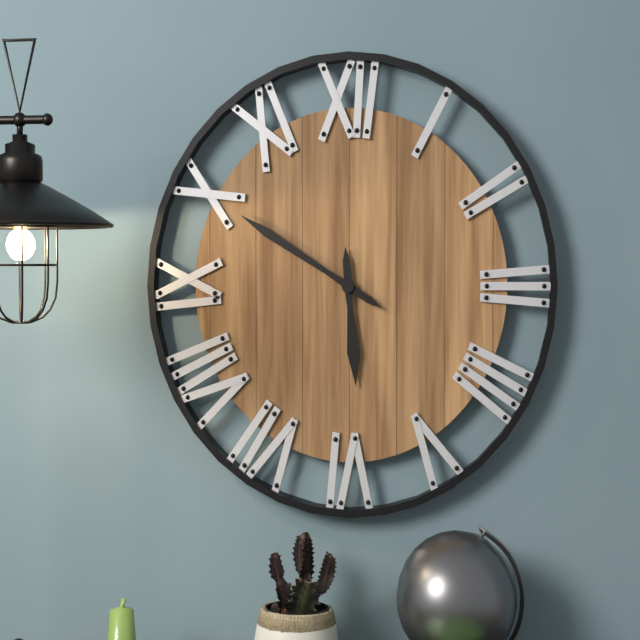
5:50
